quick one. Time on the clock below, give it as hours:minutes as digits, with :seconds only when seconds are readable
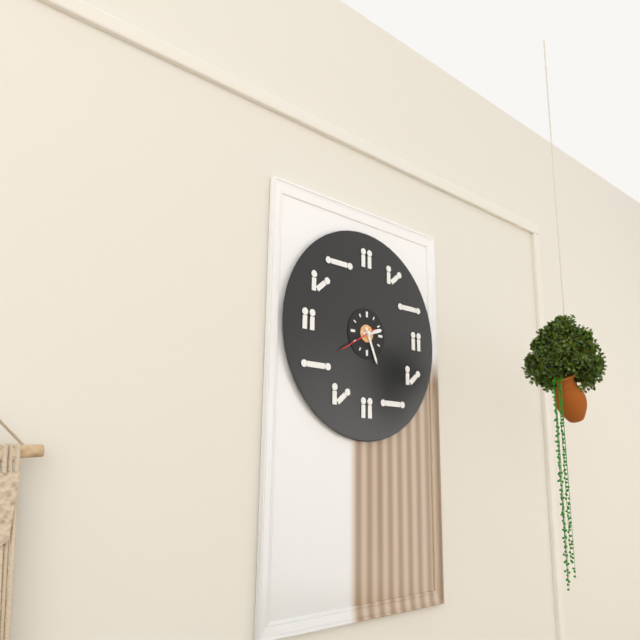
2:26
